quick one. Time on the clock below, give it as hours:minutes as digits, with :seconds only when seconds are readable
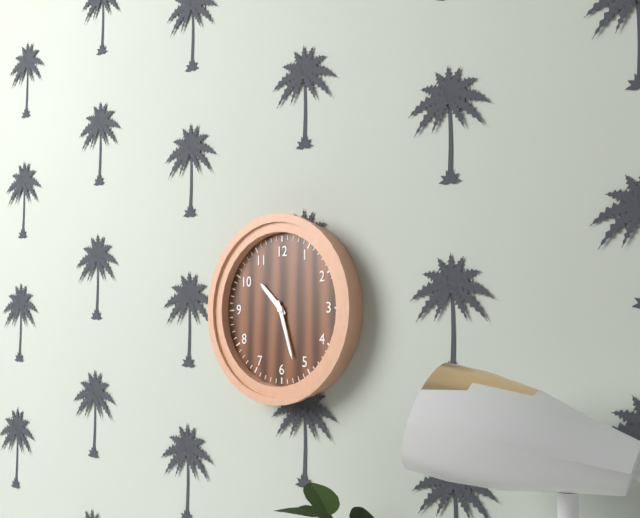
10:27
